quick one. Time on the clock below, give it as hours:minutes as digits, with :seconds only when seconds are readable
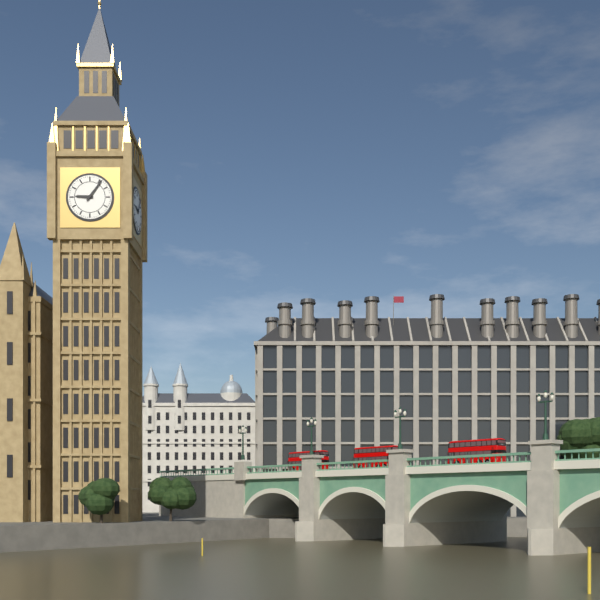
9:06
